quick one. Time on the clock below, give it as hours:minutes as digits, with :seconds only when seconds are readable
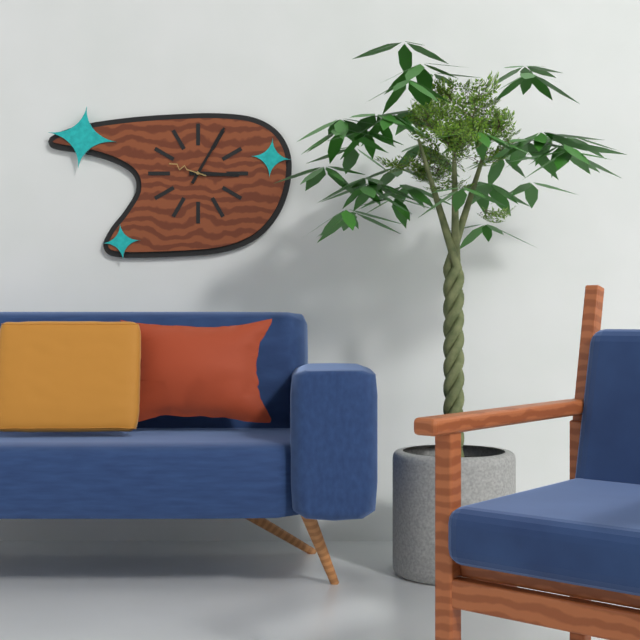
3:05
